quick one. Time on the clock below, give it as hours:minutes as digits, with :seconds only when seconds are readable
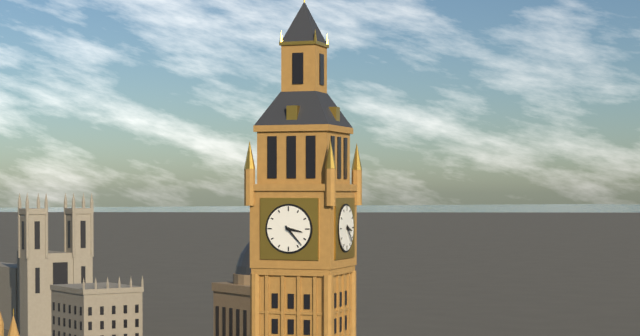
3:23
